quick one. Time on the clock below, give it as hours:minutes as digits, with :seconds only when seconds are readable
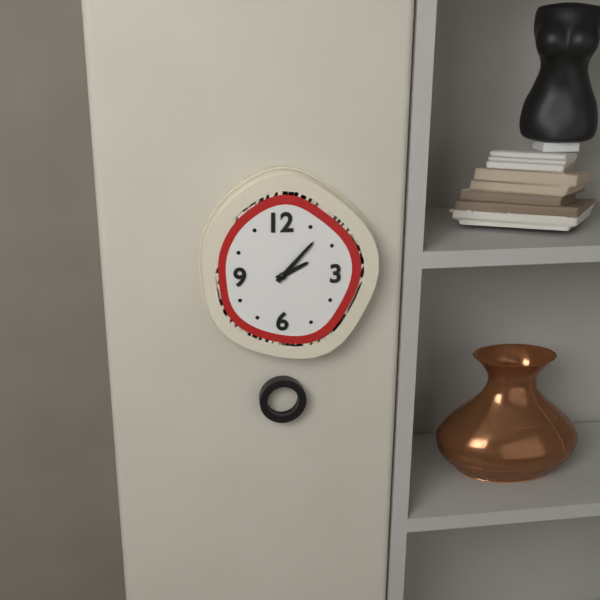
2:07
